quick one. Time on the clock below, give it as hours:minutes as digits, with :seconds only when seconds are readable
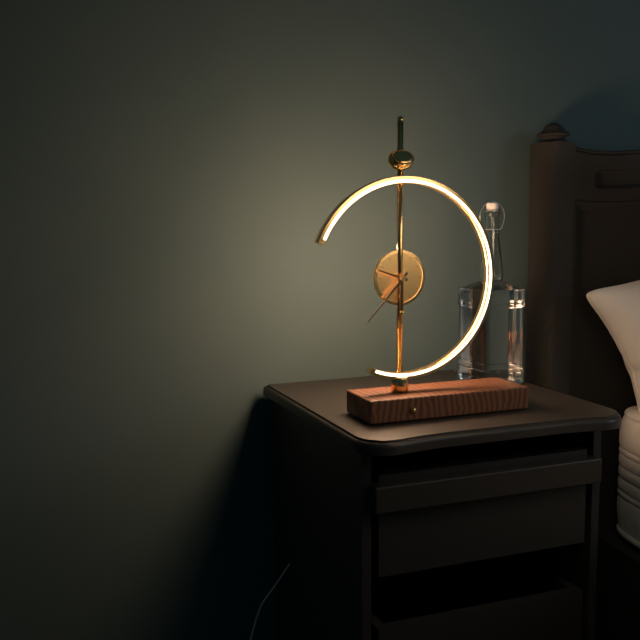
9:37
